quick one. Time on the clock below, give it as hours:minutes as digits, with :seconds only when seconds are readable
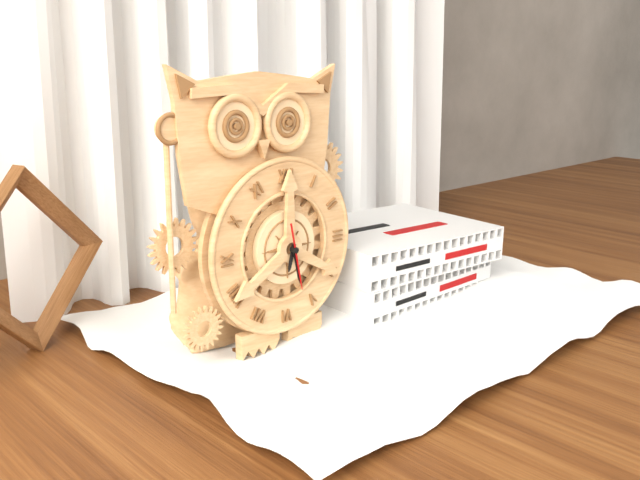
6:28:28
